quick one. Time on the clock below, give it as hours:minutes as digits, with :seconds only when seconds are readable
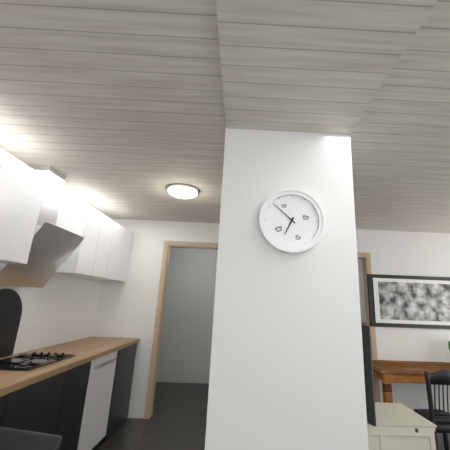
6:52
